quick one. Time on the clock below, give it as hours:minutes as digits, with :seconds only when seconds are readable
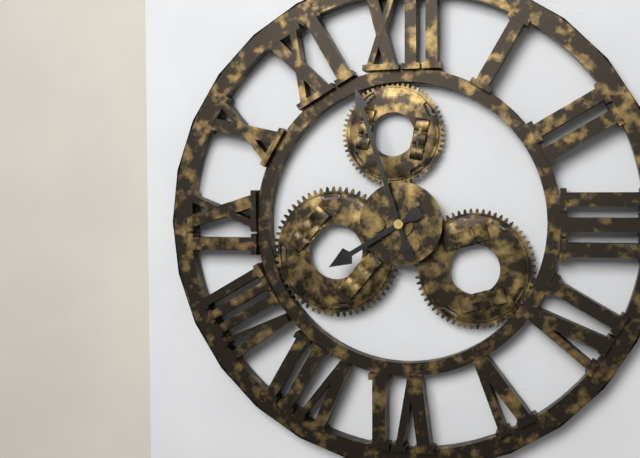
7:57
